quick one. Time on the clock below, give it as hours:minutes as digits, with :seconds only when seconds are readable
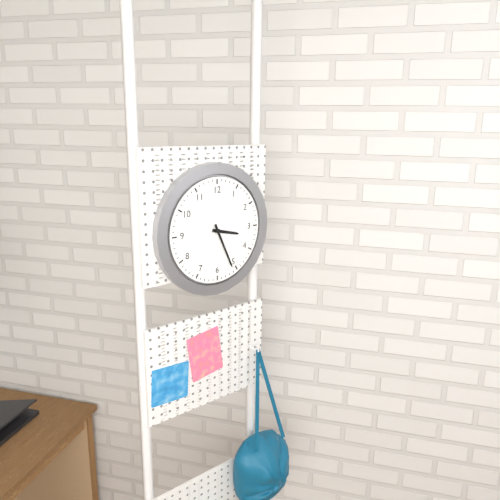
3:26
